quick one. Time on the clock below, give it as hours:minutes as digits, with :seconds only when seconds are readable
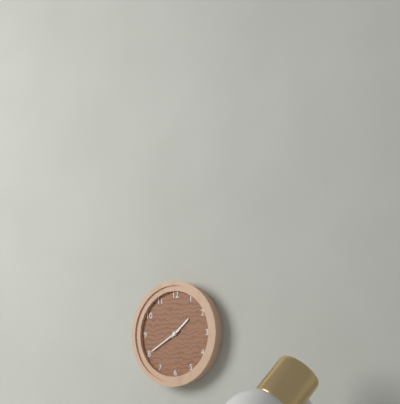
1:40
